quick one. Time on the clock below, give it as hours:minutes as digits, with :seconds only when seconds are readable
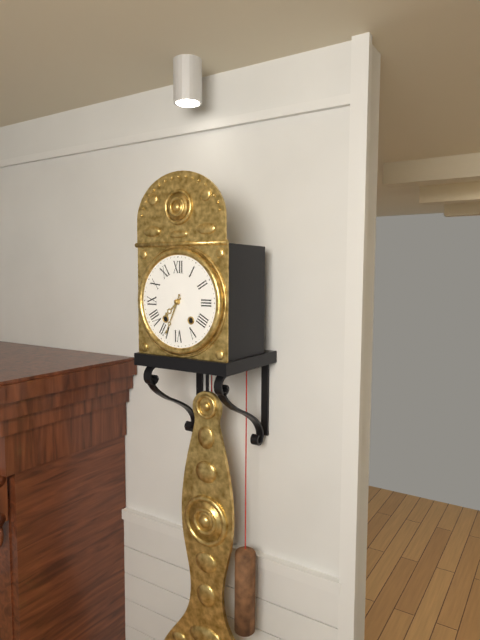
7:34
